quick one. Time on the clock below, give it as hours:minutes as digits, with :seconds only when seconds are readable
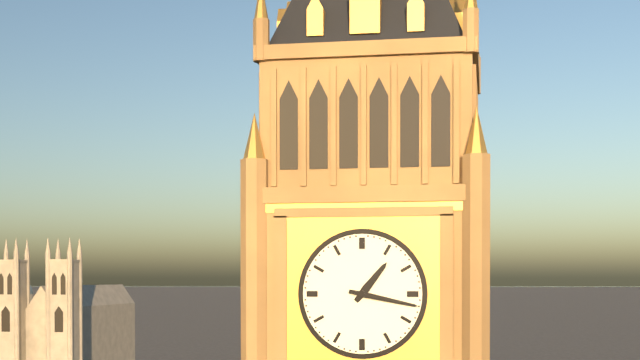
1:17
